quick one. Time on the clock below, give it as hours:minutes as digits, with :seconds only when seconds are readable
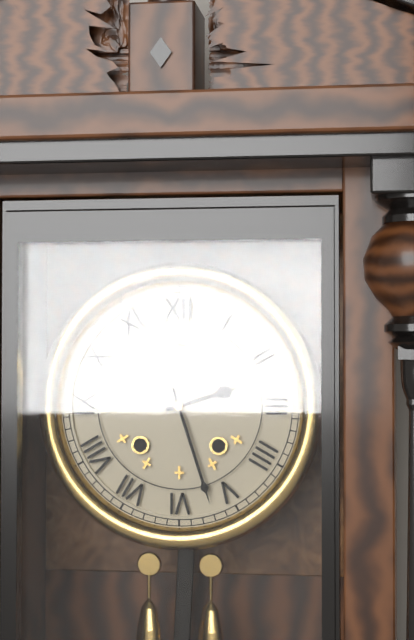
2:27
